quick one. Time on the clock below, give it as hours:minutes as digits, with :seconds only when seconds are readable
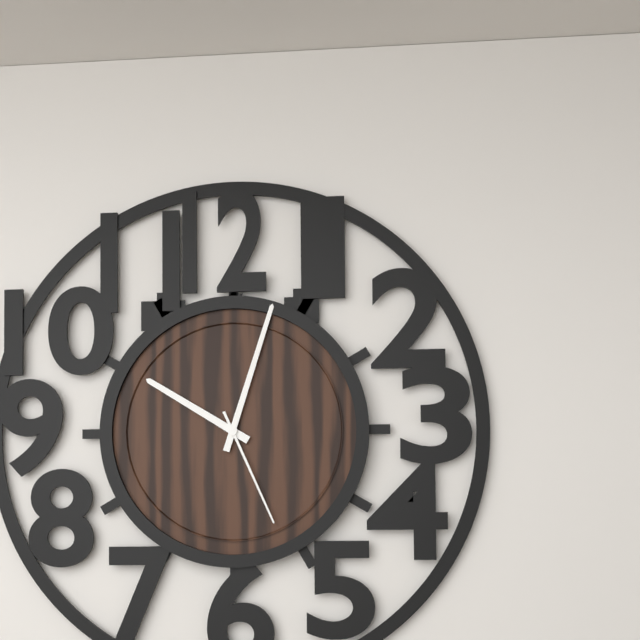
10:03:26
